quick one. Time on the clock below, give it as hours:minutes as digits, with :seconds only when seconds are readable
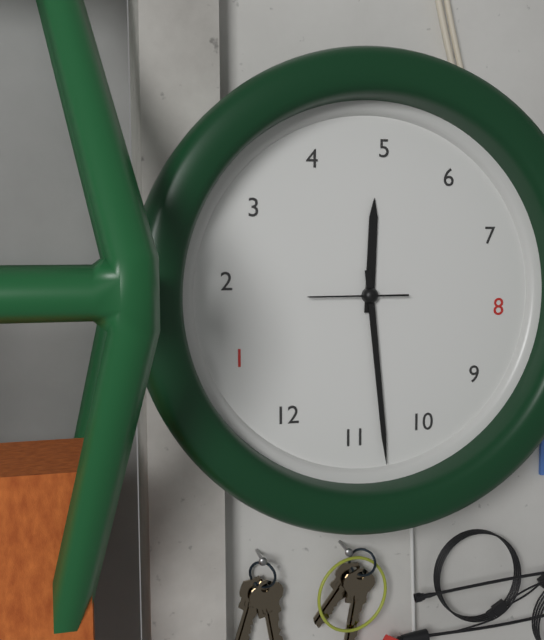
4:53:09
